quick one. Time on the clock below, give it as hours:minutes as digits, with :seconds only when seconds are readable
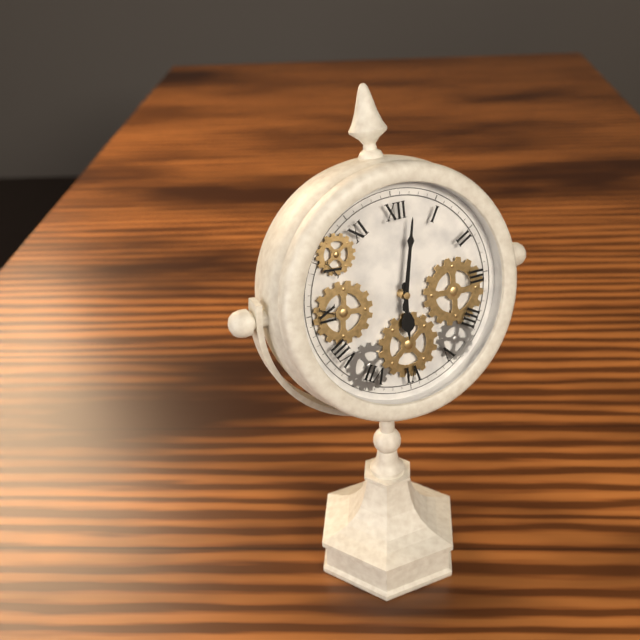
6:02
